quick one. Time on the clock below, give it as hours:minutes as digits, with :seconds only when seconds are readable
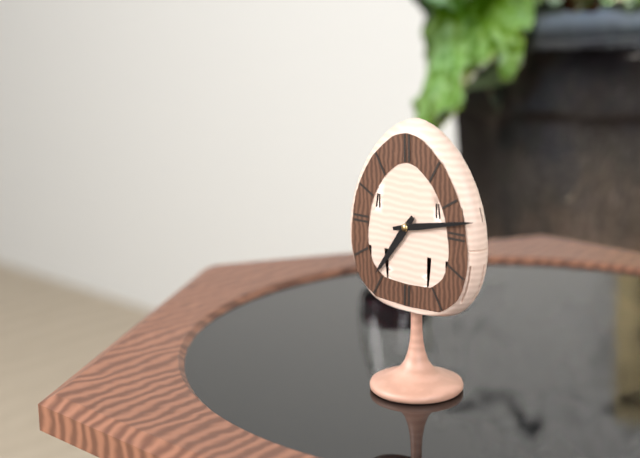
7:13
